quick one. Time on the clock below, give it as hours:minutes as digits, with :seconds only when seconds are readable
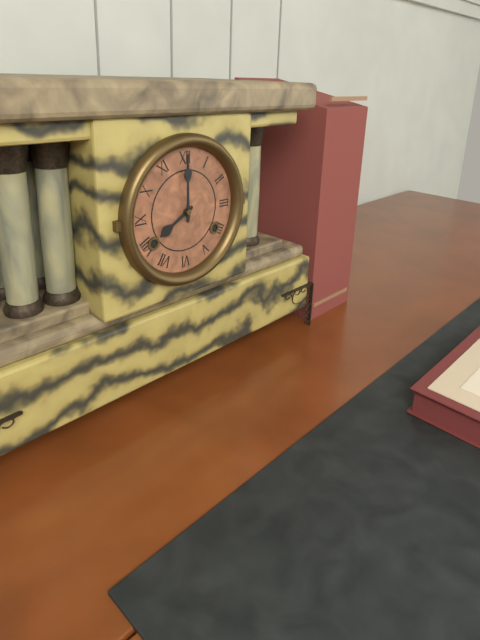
8:00
